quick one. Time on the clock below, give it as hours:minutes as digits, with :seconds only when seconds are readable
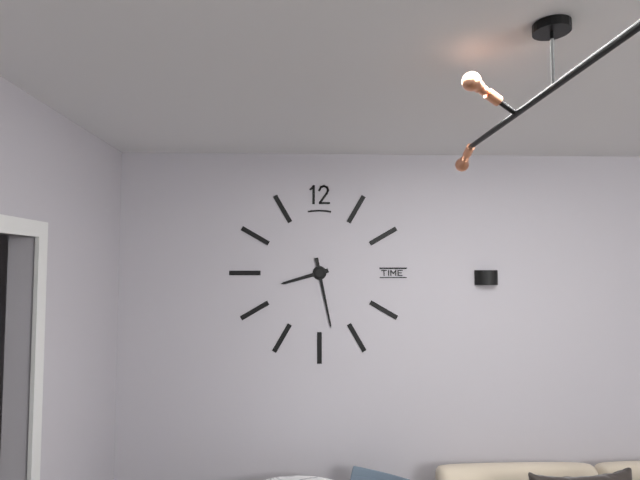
8:28
